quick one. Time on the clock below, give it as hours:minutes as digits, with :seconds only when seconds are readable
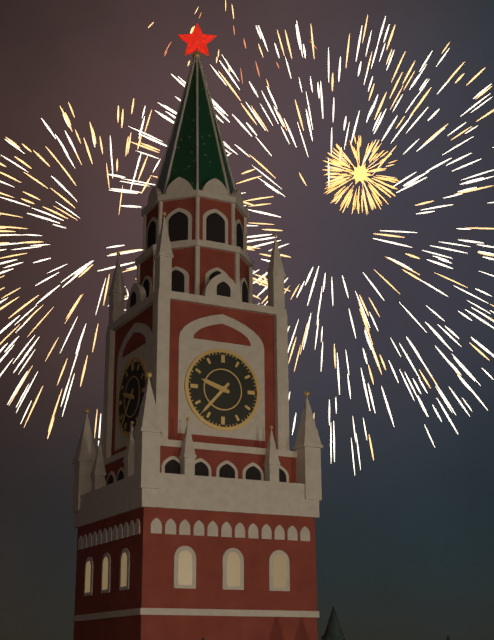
9:37
